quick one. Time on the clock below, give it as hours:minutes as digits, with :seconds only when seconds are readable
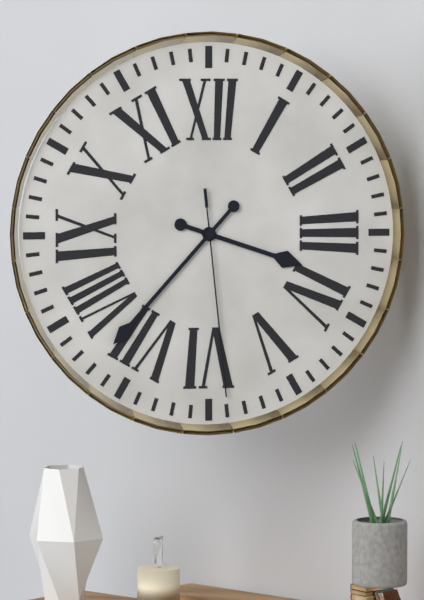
3:37:29
